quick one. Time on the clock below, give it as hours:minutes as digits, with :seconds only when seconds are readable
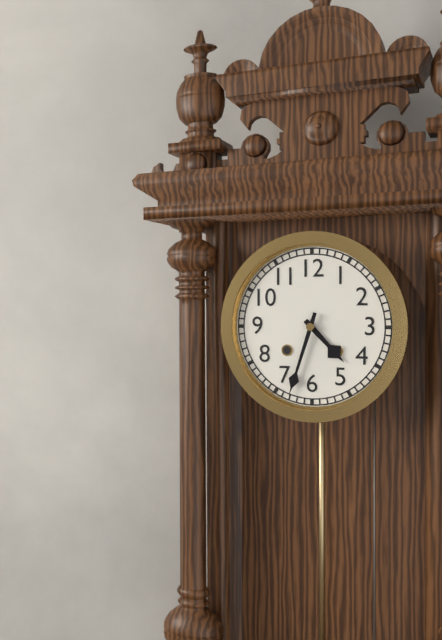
4:33
